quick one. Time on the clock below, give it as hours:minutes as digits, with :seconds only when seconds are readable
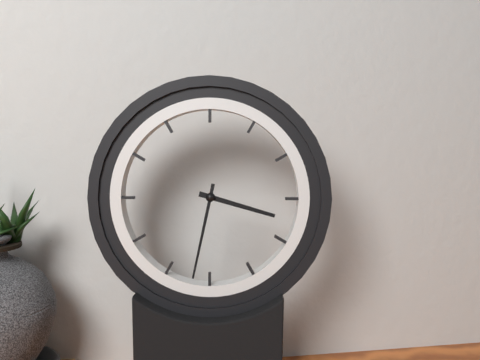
3:32
